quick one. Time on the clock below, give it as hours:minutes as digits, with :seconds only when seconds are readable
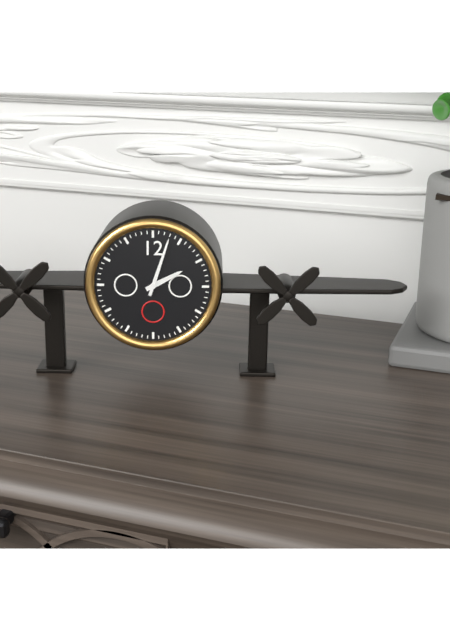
2:03
